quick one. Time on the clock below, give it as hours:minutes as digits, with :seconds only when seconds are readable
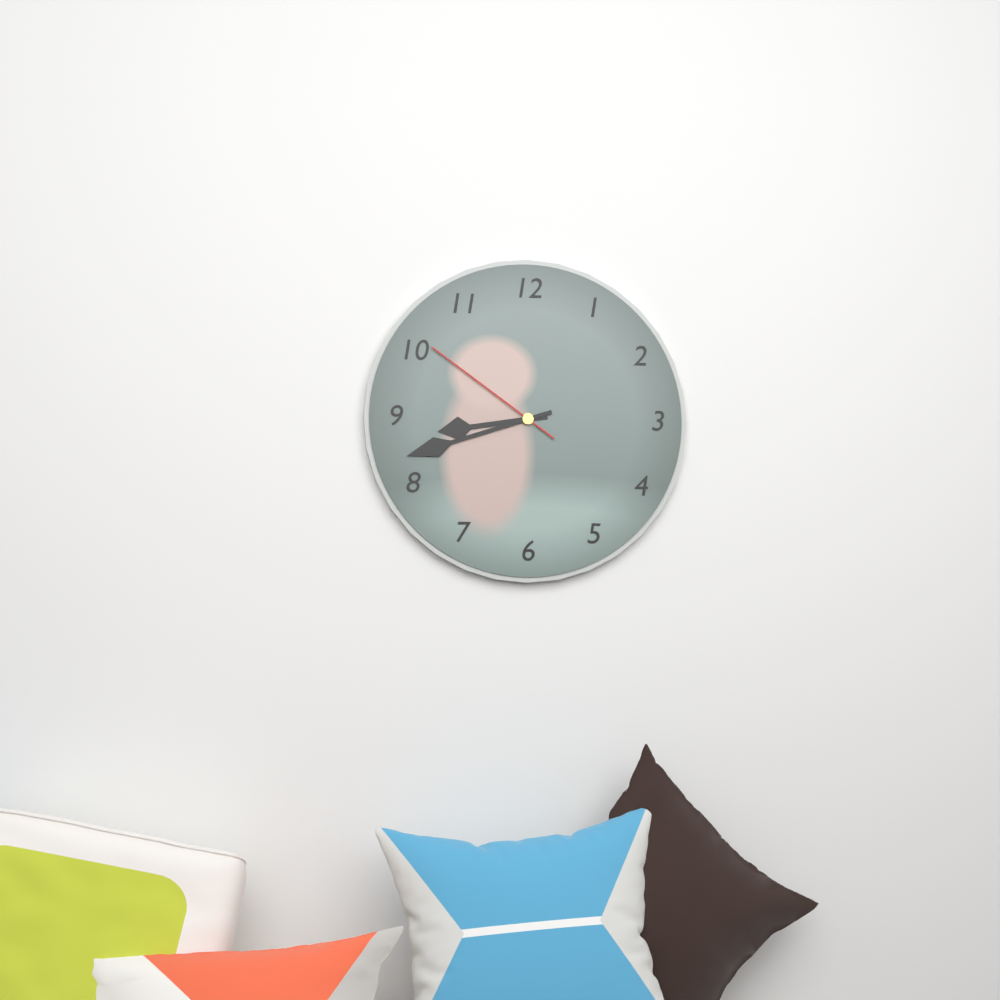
8:42:51
